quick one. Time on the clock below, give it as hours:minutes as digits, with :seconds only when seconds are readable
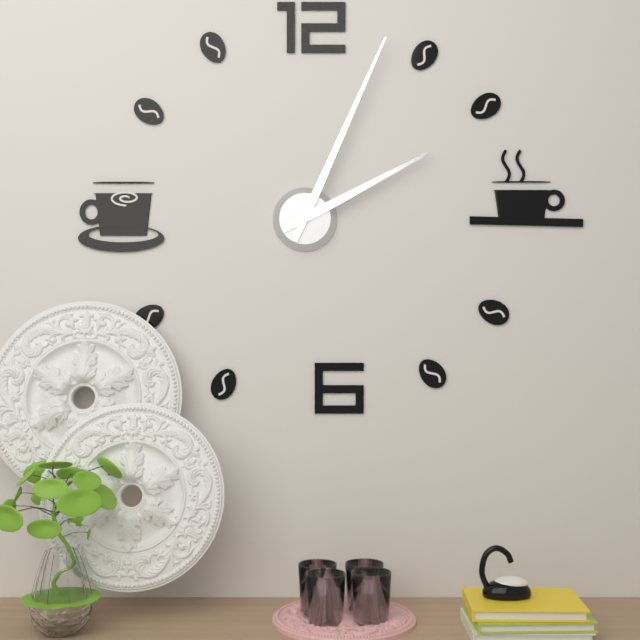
2:04
